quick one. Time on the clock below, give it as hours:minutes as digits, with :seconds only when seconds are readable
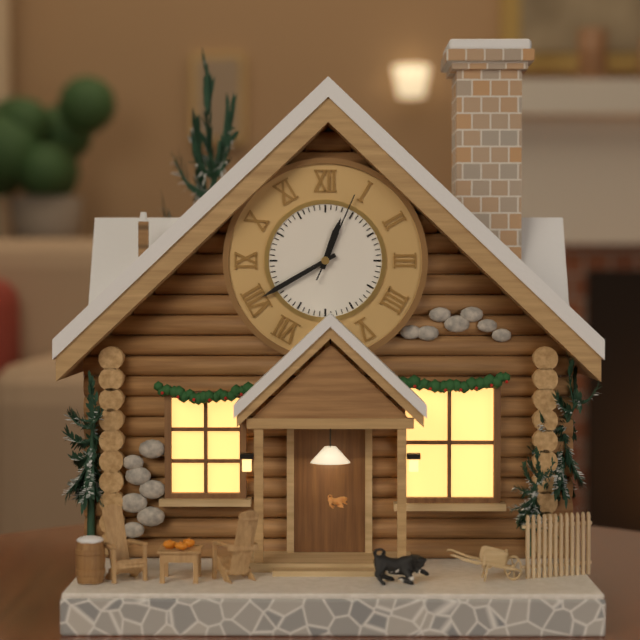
12:40:04
